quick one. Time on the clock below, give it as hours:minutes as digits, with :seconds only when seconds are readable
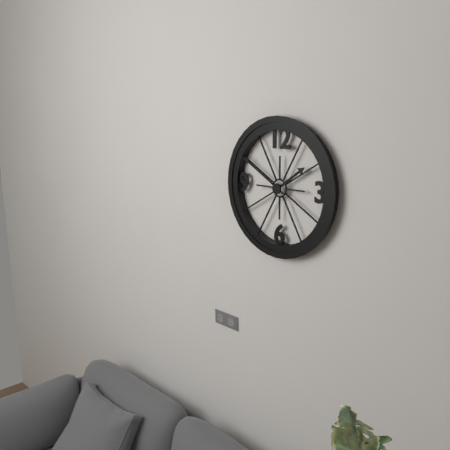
1:50
